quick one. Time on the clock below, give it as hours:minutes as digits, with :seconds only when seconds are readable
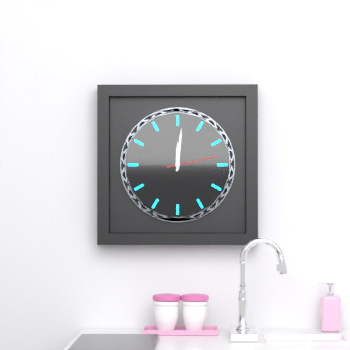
12:01:13
